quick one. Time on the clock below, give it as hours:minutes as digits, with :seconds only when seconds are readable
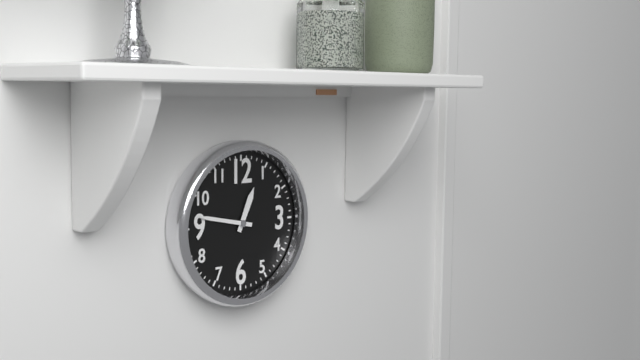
12:47
